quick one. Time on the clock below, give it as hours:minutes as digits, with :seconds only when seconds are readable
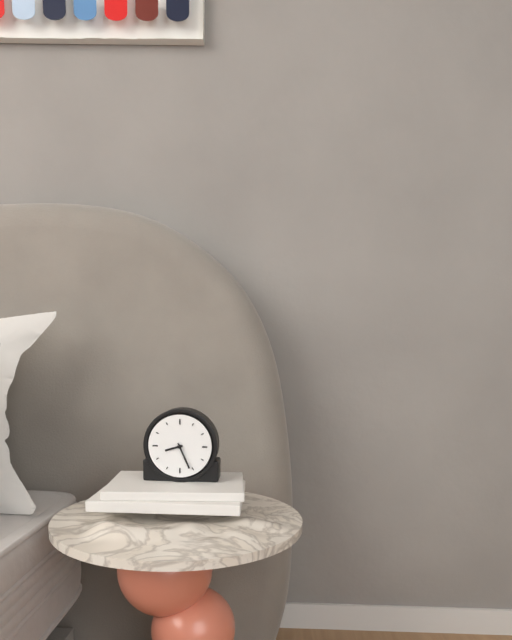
8:26
